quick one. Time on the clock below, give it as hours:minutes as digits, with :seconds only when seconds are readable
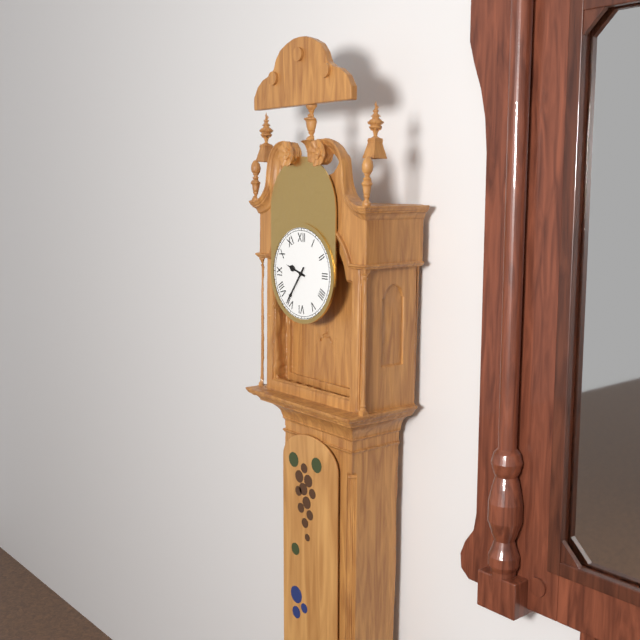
9:36
